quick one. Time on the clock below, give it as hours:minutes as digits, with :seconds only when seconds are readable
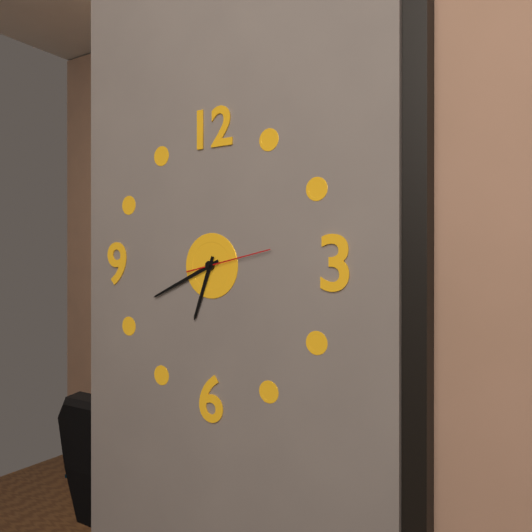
6:41:13
